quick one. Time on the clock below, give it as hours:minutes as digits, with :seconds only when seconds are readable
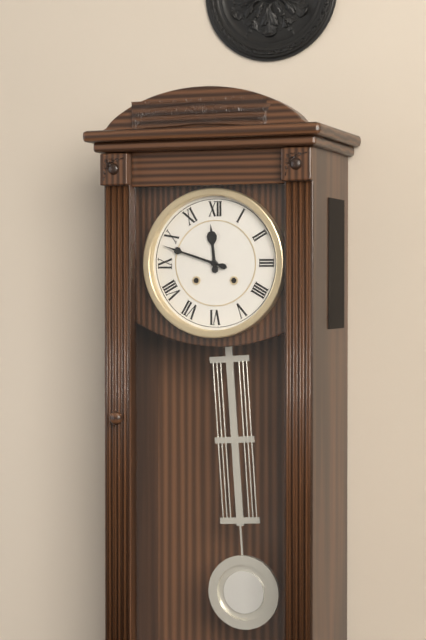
11:48
